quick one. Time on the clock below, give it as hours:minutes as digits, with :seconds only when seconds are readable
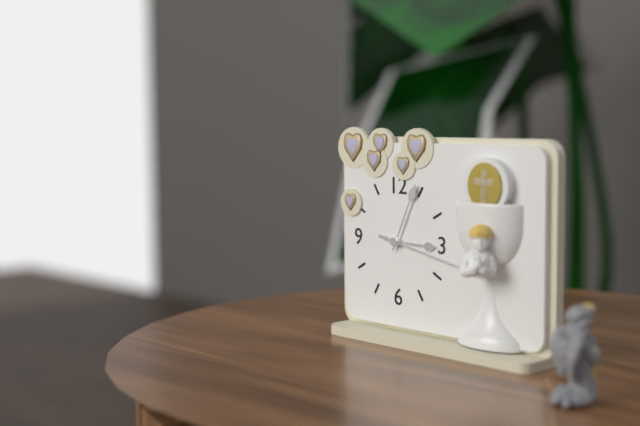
3:04:17
